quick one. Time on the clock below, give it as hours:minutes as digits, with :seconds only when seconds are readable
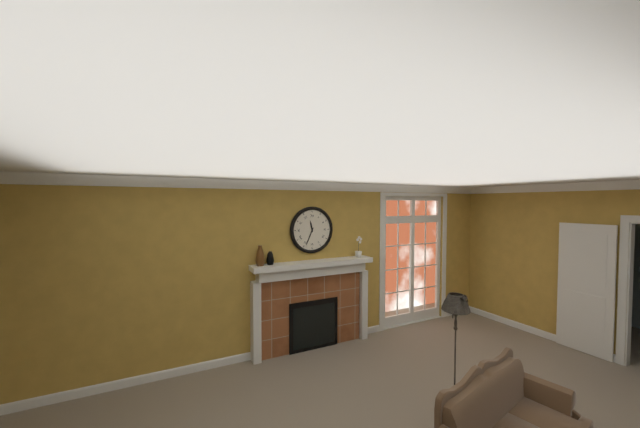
11:34
